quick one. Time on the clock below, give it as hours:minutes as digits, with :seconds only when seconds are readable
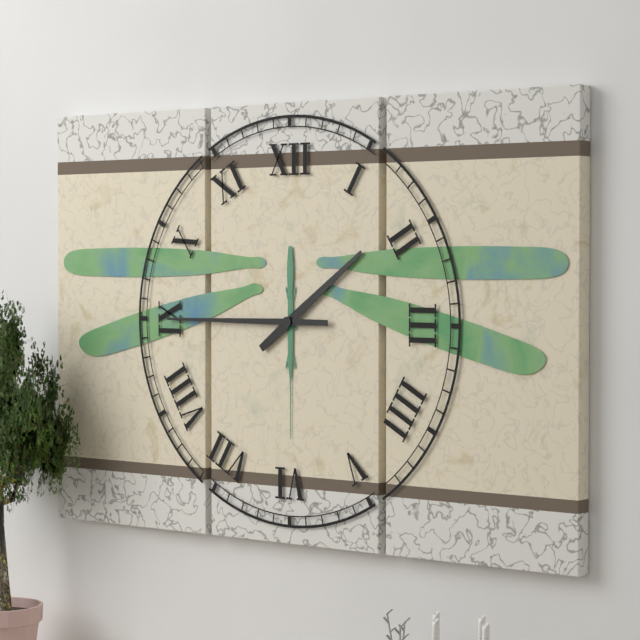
1:45
